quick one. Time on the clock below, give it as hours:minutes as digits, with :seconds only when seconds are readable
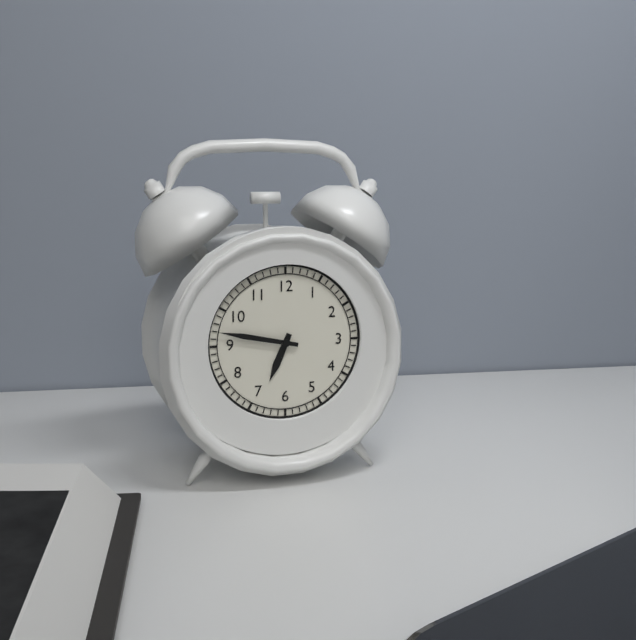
6:47
